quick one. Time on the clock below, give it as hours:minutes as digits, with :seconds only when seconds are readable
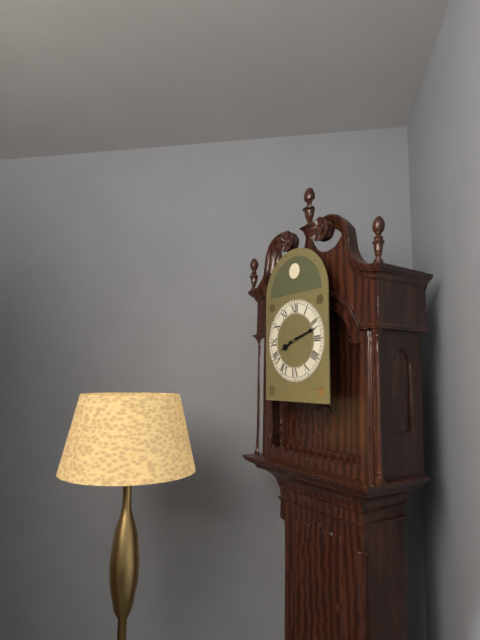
8:12
